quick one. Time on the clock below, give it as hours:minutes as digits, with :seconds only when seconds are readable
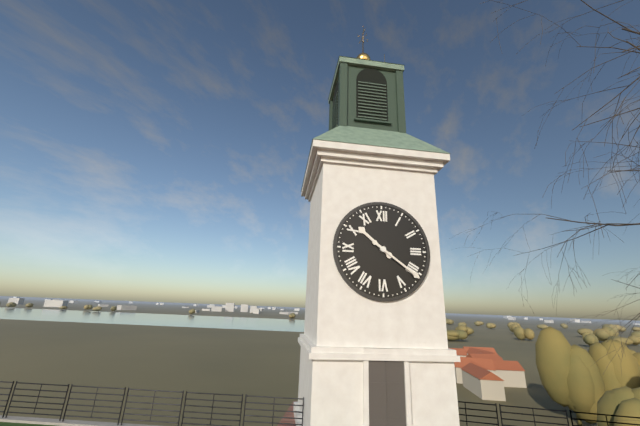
10:21
